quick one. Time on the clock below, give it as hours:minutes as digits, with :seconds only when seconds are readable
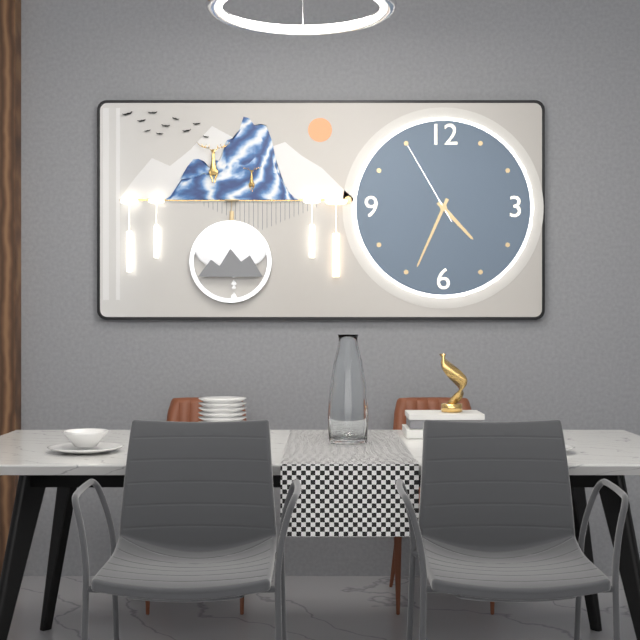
4:34:55
